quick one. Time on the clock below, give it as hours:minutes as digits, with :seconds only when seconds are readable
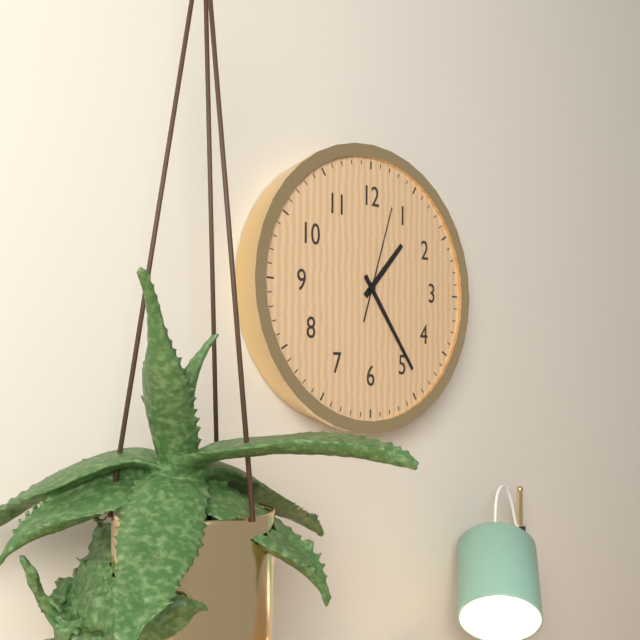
1:24:03
